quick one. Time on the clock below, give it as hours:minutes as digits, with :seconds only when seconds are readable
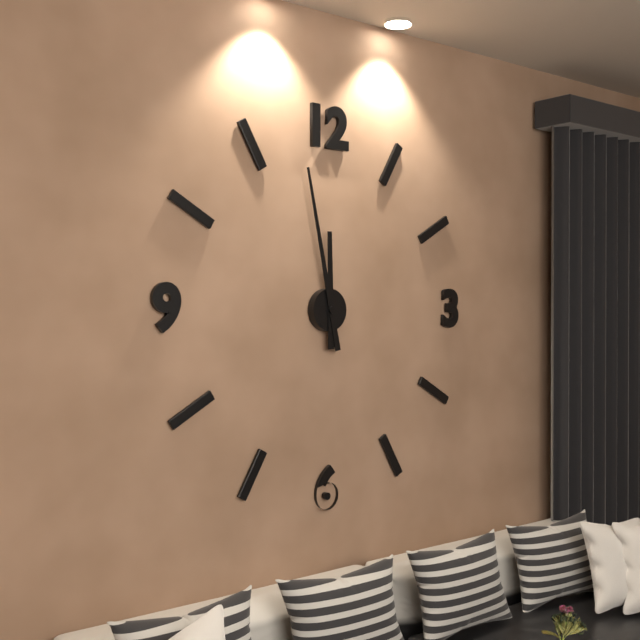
11:58
